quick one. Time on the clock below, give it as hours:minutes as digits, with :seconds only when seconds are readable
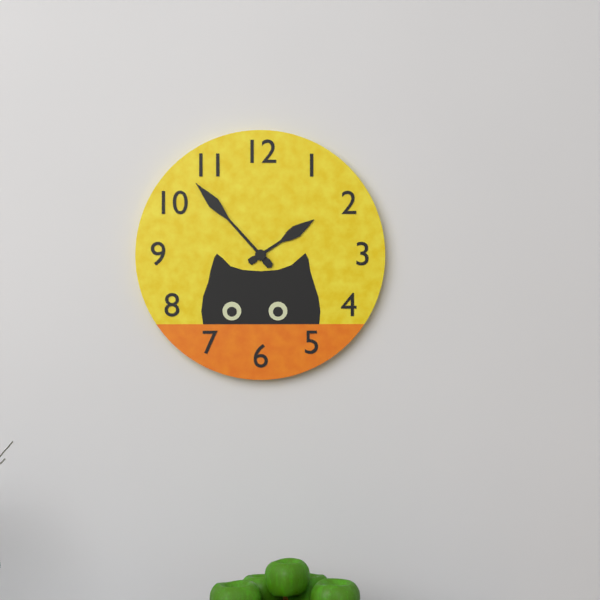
1:53
